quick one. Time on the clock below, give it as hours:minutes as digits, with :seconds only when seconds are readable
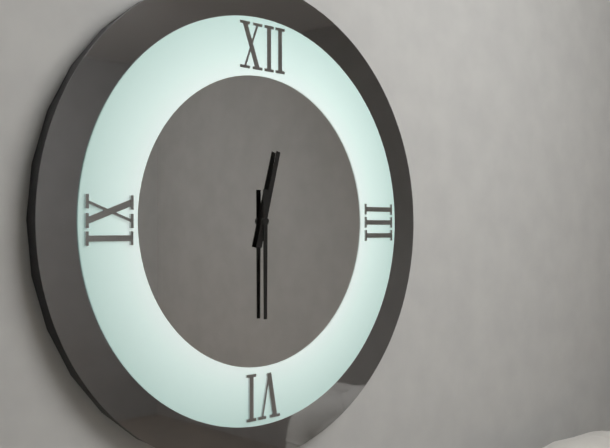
12:30
